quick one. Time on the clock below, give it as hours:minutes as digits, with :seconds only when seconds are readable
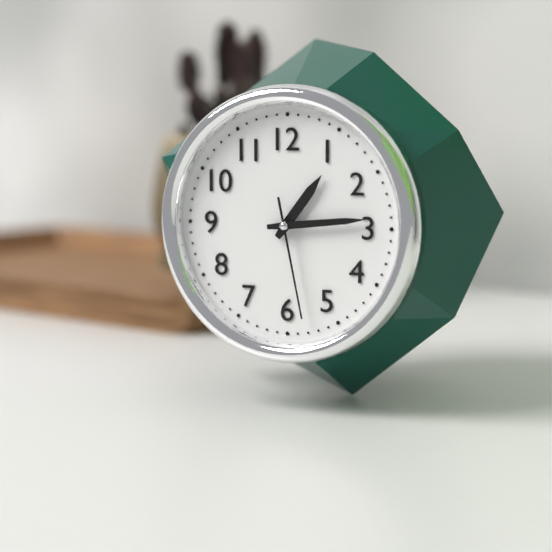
1:14:28
